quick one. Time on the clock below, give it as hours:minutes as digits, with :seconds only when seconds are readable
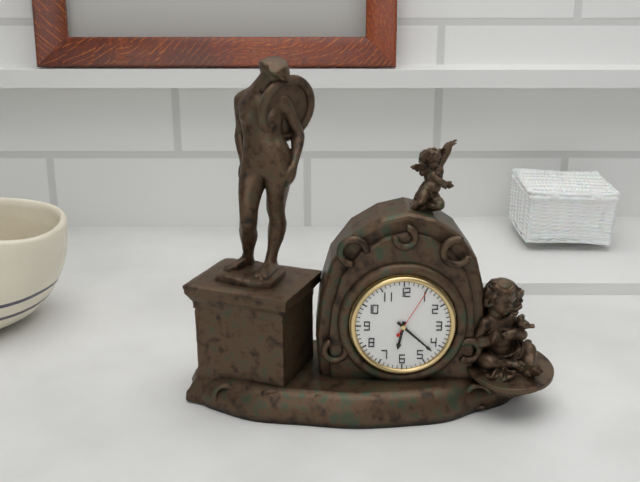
6:22:05
